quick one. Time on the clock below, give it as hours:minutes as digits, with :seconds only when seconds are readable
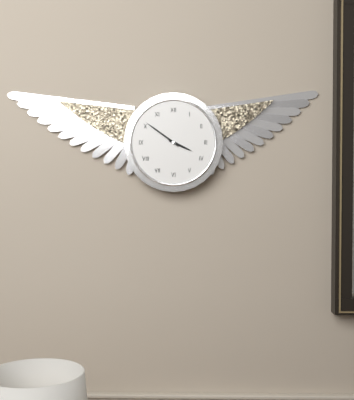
3:51
